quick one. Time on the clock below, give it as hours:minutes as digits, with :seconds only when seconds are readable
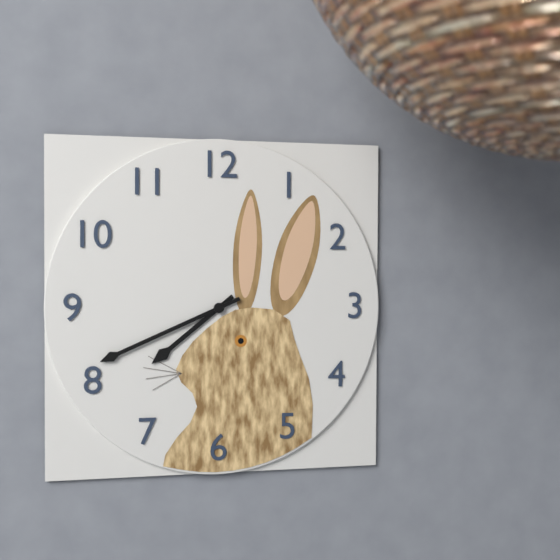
7:41
